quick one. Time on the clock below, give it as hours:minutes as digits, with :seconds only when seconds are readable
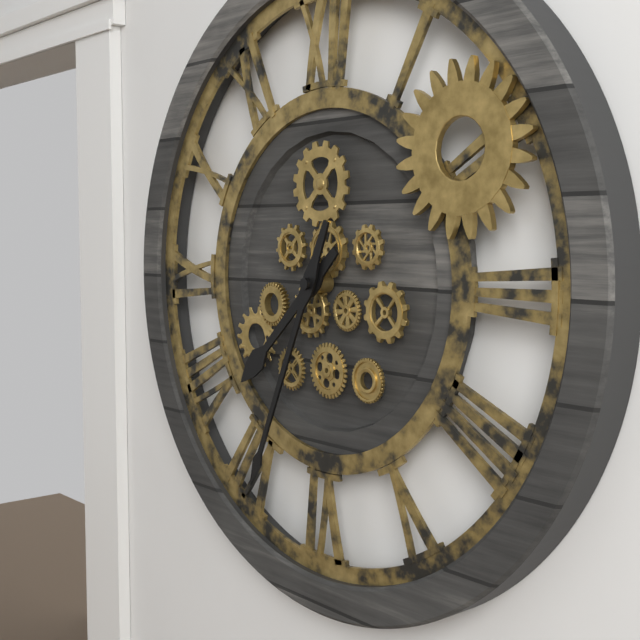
7:34
